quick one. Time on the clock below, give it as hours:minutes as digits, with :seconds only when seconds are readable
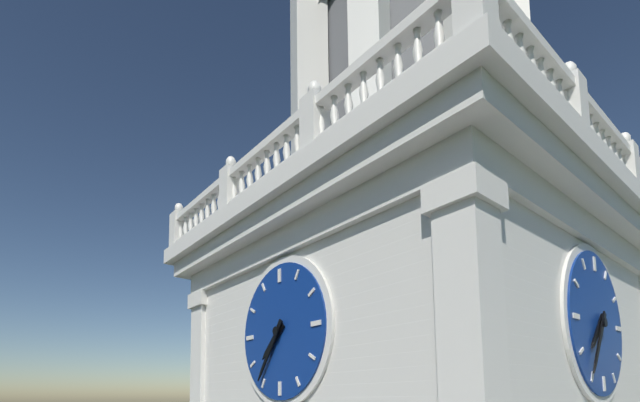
7:36
